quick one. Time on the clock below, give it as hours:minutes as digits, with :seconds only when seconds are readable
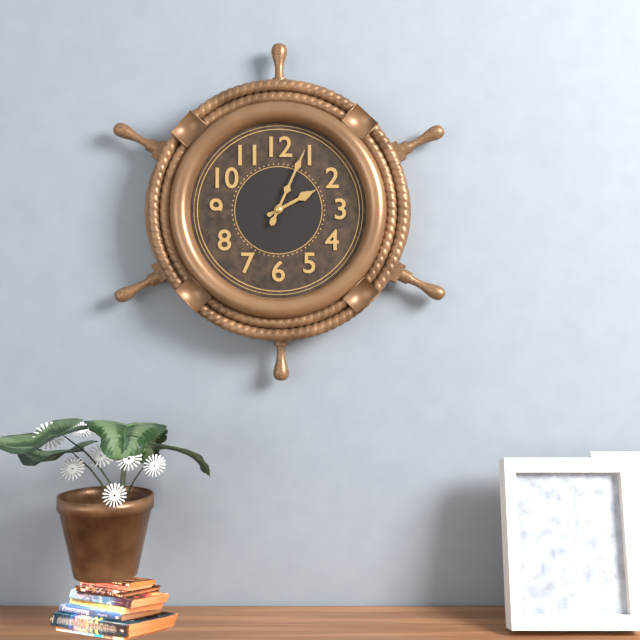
2:04
